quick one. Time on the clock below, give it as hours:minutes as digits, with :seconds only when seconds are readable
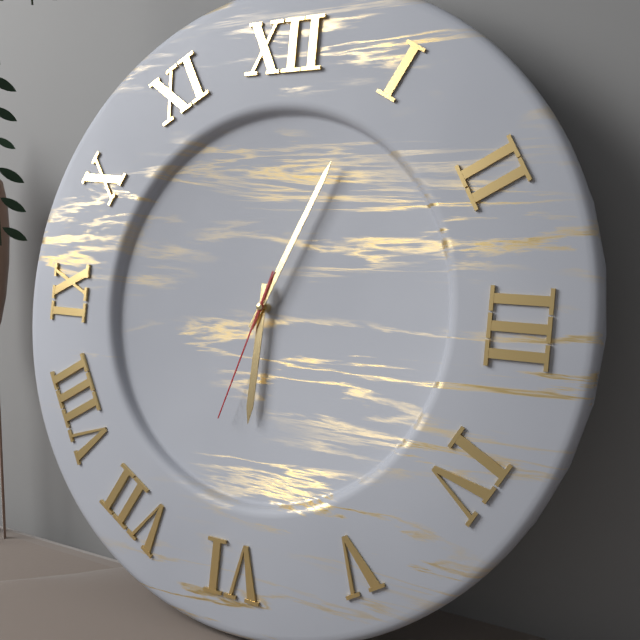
6:04:33
